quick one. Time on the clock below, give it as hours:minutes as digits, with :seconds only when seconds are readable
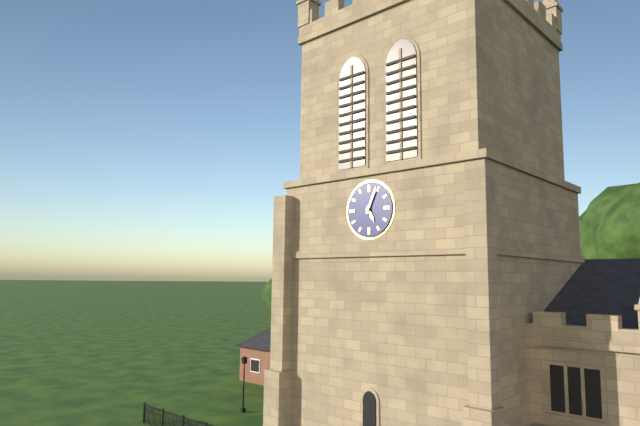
5:04
